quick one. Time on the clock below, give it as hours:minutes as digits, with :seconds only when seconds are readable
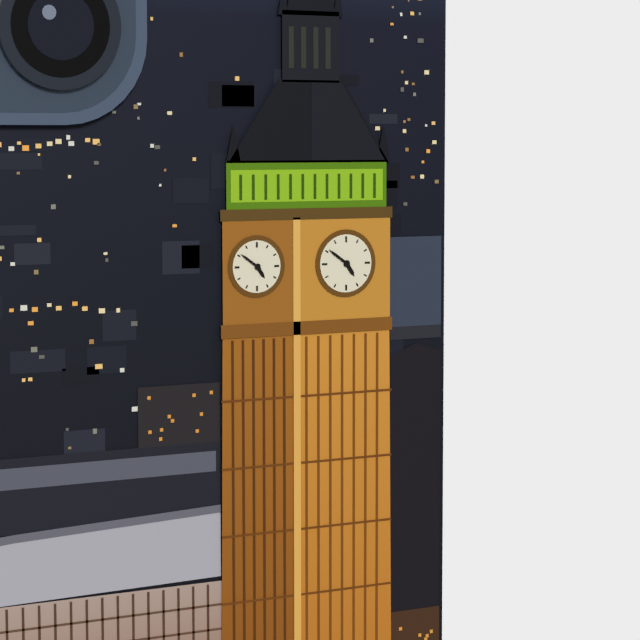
4:51
